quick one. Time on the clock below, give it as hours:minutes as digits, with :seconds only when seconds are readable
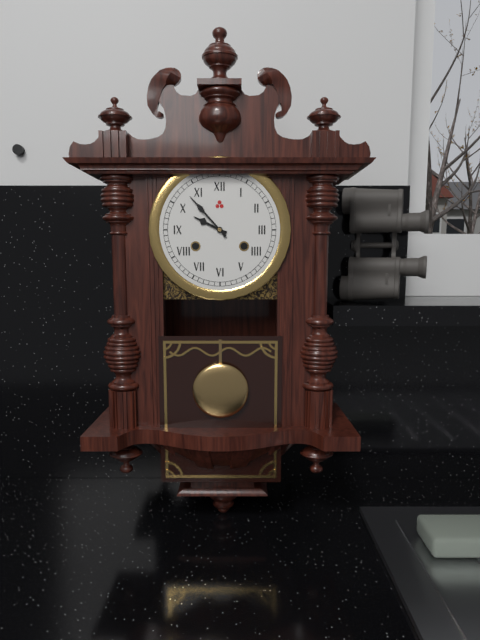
9:53
